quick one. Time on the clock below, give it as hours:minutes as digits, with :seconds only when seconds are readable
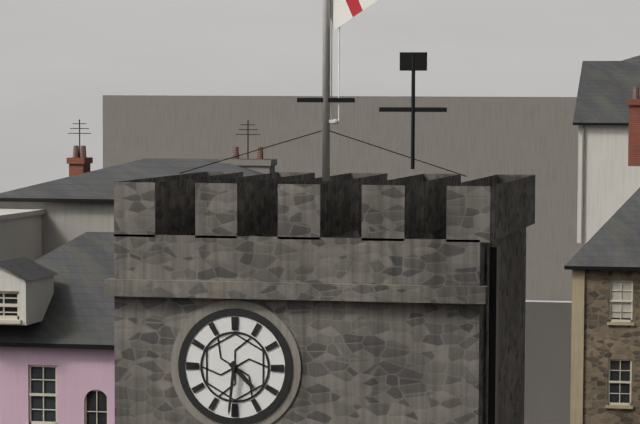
4:31
